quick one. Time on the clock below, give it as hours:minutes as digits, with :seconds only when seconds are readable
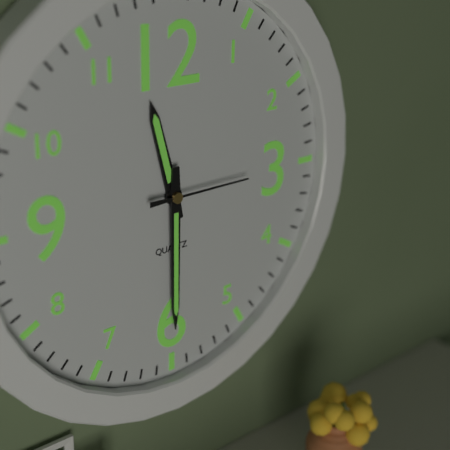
11:30:15
